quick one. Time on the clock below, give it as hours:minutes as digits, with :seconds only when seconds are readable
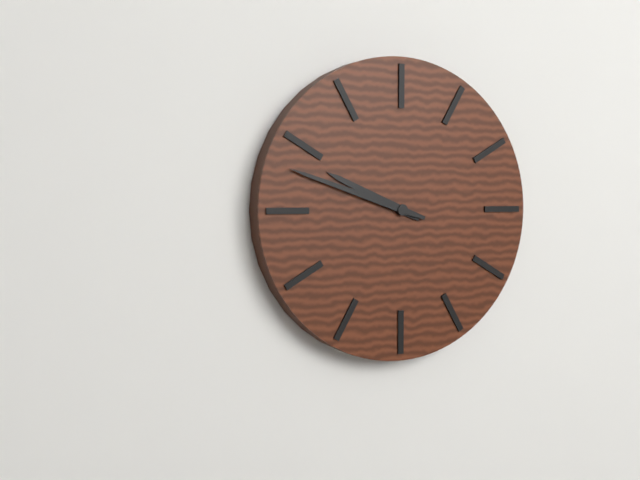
9:48
